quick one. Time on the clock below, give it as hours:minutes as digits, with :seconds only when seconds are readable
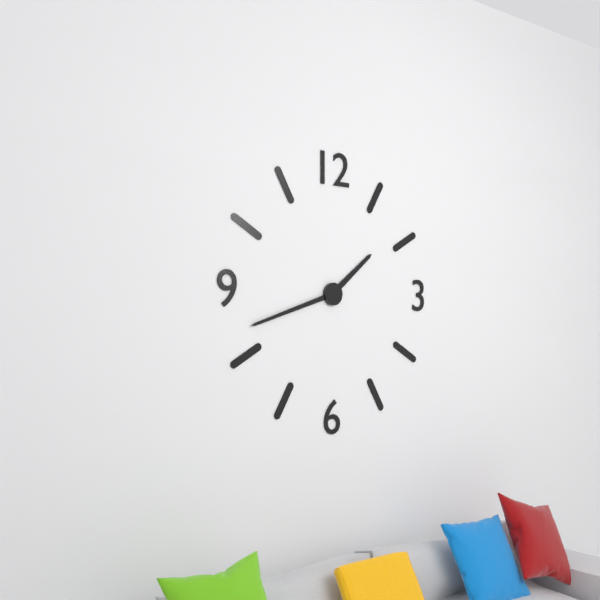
1:42
